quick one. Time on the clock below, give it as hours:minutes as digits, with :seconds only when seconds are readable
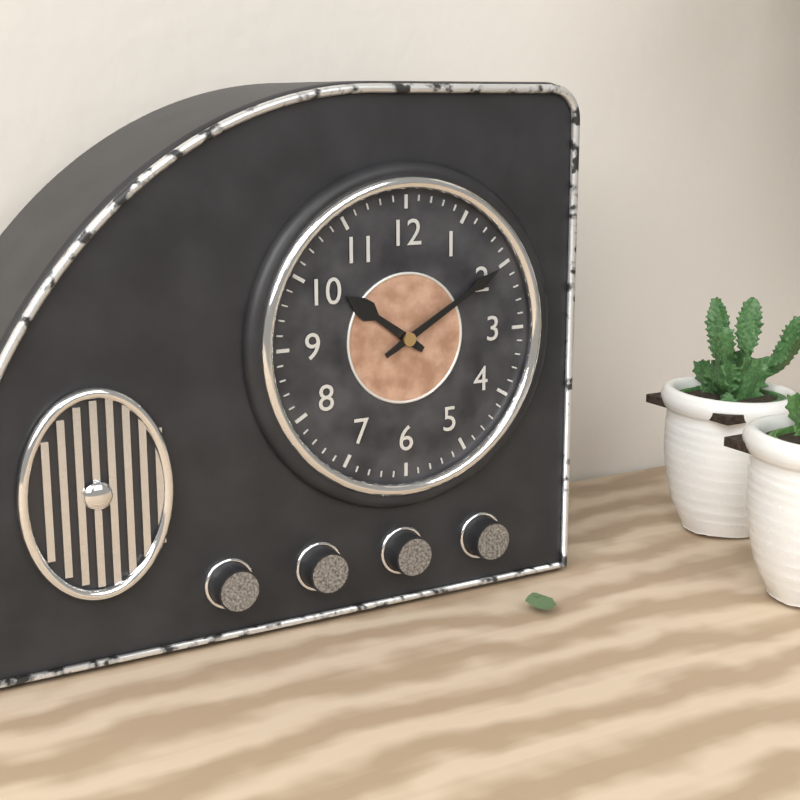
10:10
